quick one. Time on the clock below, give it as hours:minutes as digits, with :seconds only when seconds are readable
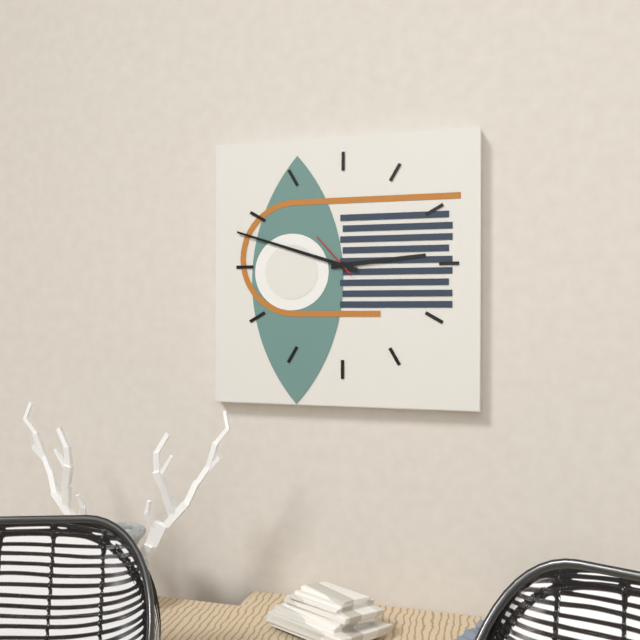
2:48
